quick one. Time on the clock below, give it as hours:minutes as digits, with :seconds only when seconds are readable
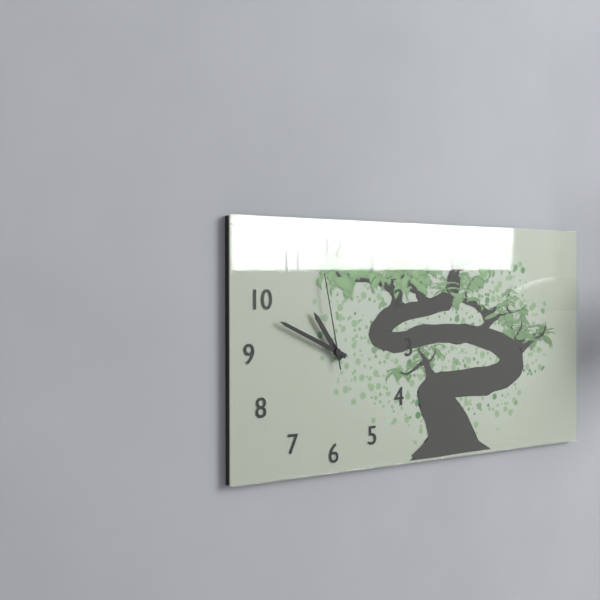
10:49:58
